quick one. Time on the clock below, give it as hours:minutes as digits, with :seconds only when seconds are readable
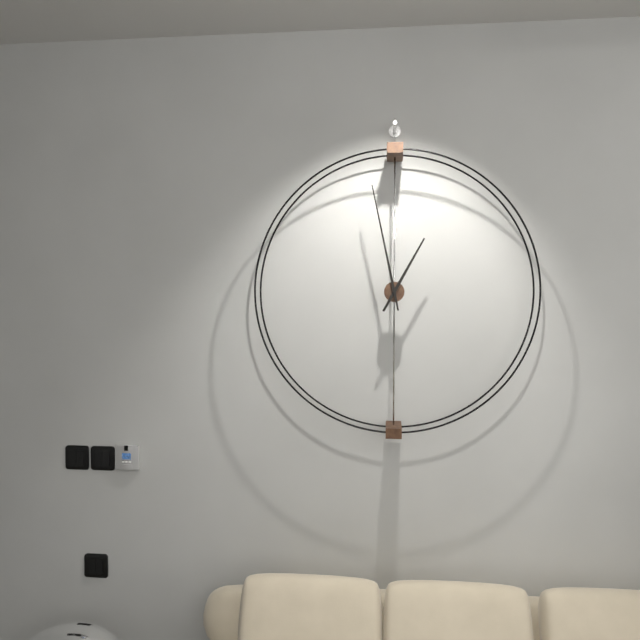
12:58
